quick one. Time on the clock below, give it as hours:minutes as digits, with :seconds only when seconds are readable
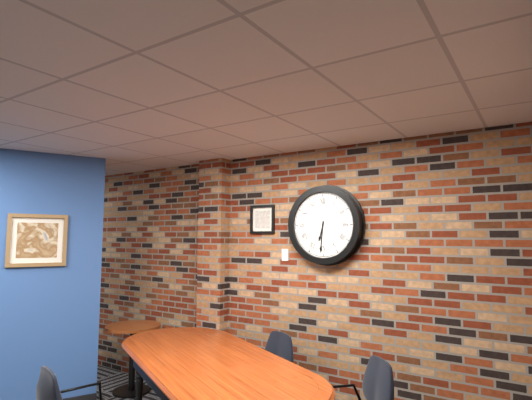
6:31
